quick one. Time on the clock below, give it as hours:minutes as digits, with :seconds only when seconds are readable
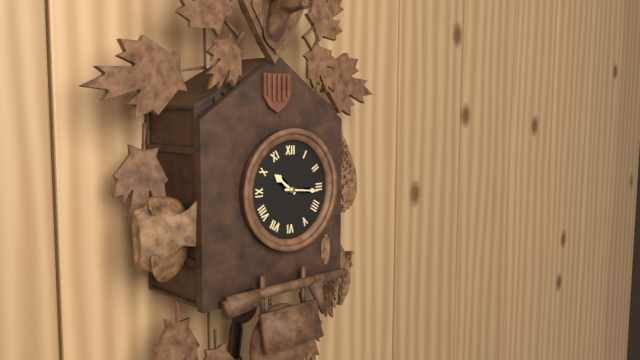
10:16
